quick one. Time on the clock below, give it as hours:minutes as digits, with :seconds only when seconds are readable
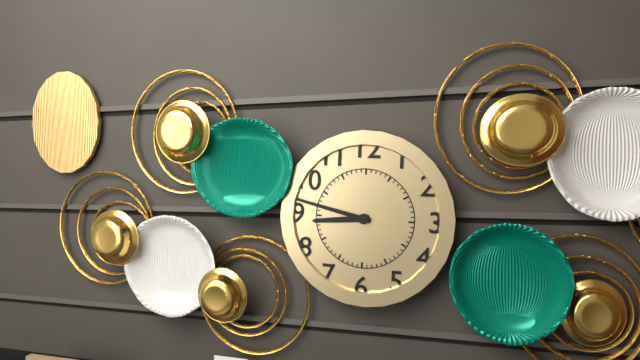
8:47
